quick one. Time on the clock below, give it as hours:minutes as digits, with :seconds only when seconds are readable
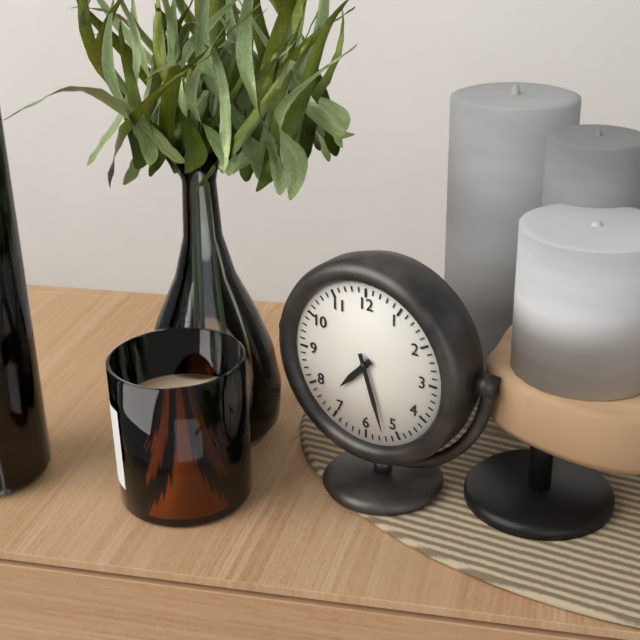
7:27
